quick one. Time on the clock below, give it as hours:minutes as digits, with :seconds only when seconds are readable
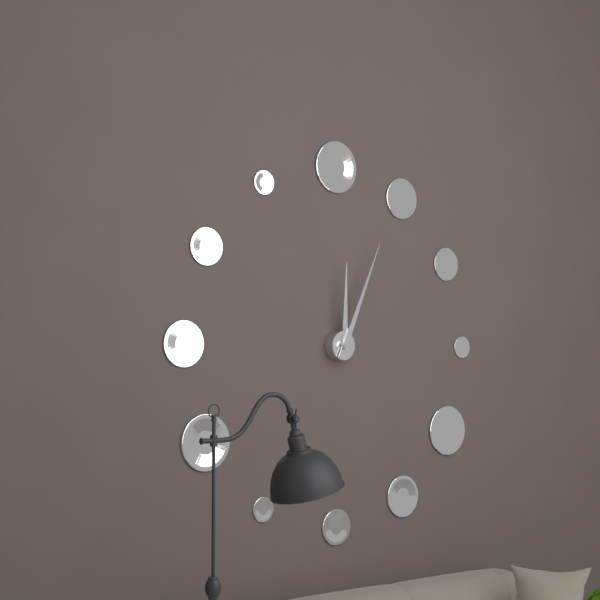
12:04
